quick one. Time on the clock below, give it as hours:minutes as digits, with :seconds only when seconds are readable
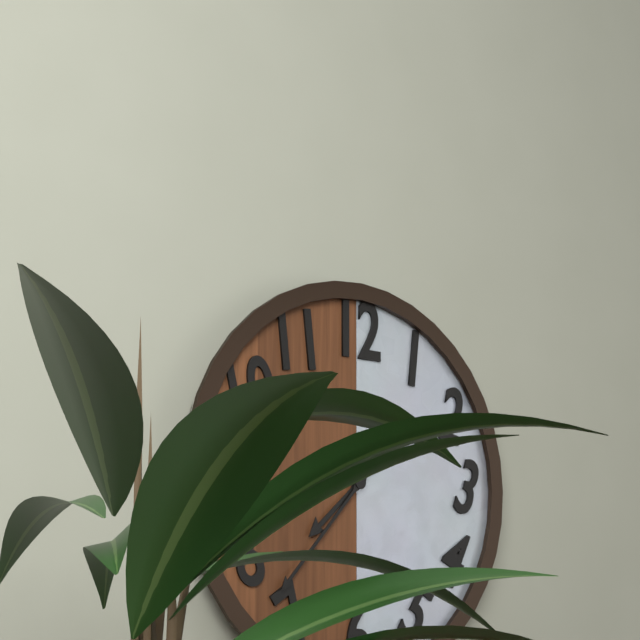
7:37
